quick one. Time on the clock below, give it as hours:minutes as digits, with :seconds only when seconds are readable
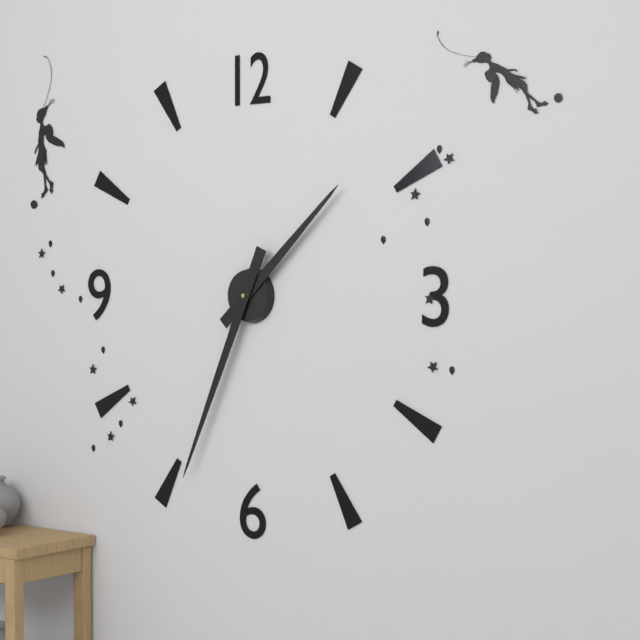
1:34
